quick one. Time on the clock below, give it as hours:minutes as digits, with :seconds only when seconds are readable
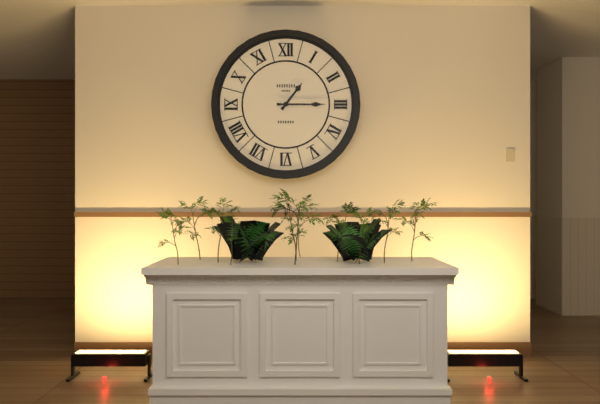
1:15
